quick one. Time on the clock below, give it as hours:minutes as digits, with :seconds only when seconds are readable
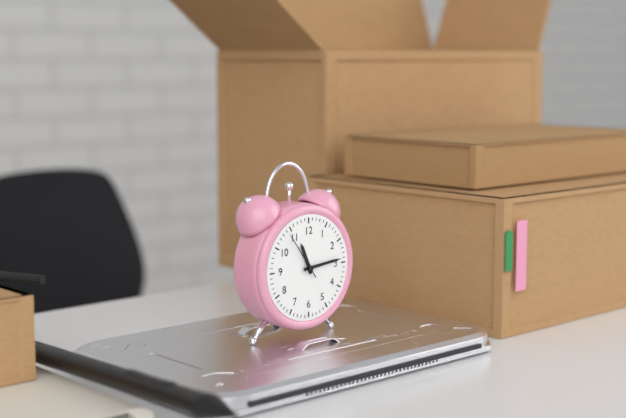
11:14
